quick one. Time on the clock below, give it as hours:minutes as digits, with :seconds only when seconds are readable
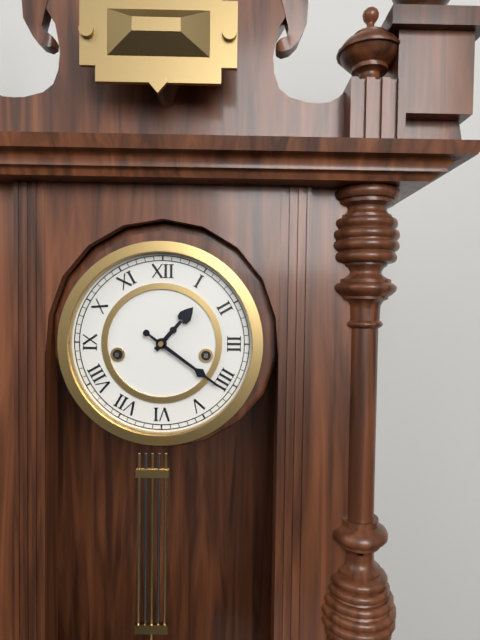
1:21
